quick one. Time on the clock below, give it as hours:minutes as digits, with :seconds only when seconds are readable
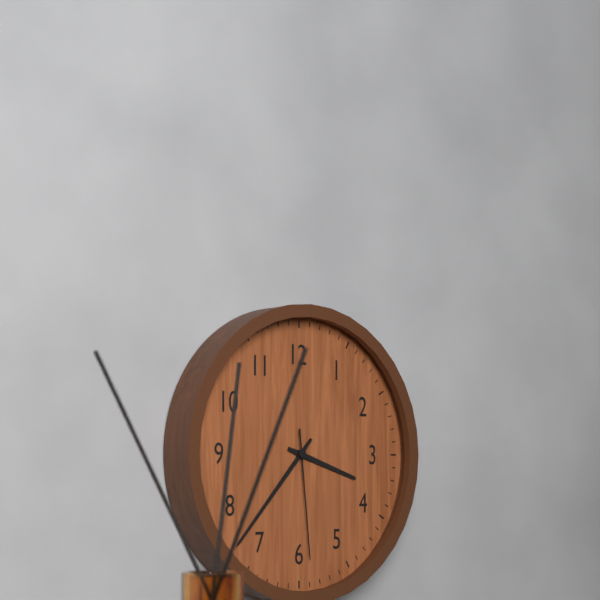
3:37:29
